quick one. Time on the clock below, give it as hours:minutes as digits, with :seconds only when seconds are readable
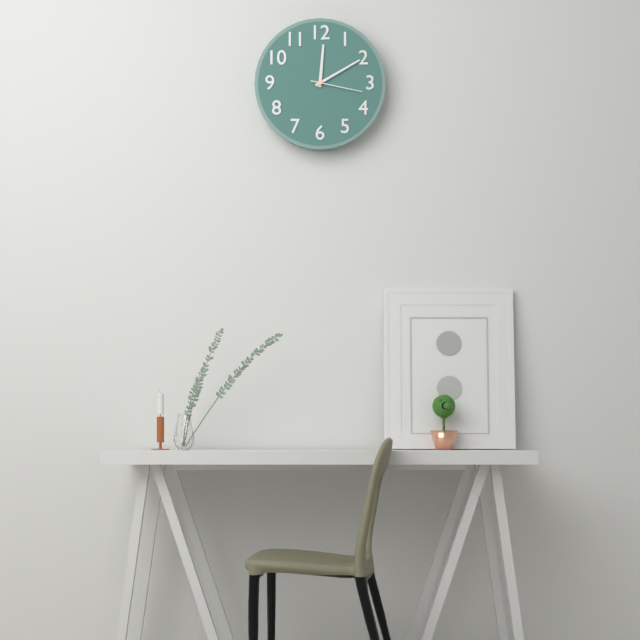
12:10:17
